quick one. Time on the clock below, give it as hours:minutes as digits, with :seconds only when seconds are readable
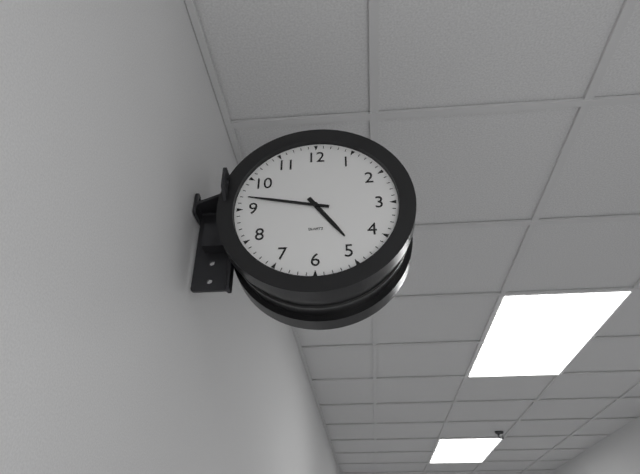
4:47
